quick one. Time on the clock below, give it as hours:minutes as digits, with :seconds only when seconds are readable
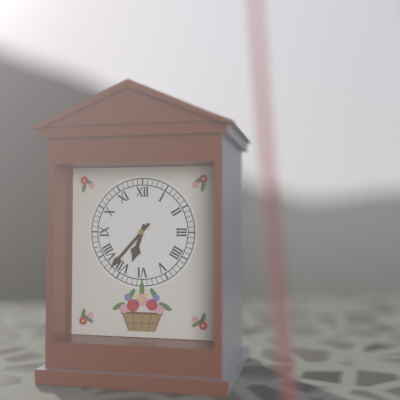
6:37
